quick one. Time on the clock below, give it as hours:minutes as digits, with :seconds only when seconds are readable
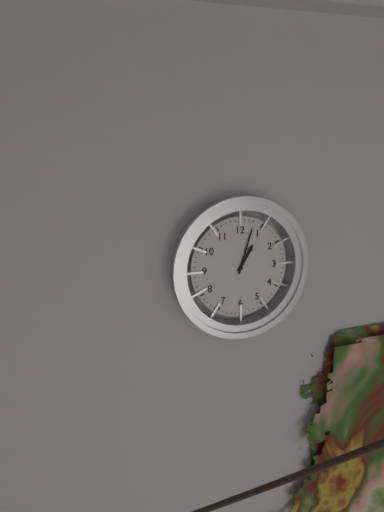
1:03
